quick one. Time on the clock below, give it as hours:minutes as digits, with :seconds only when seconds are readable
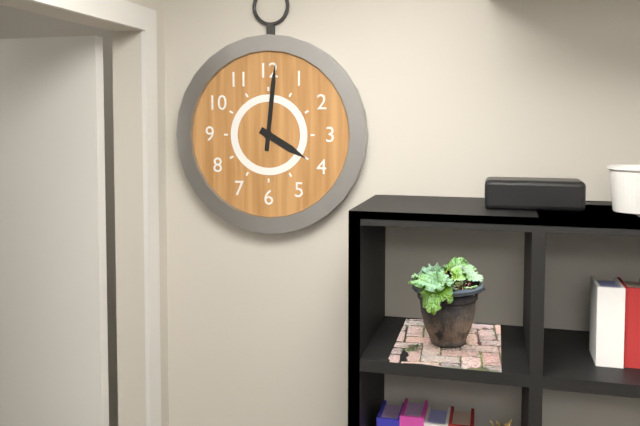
4:01
